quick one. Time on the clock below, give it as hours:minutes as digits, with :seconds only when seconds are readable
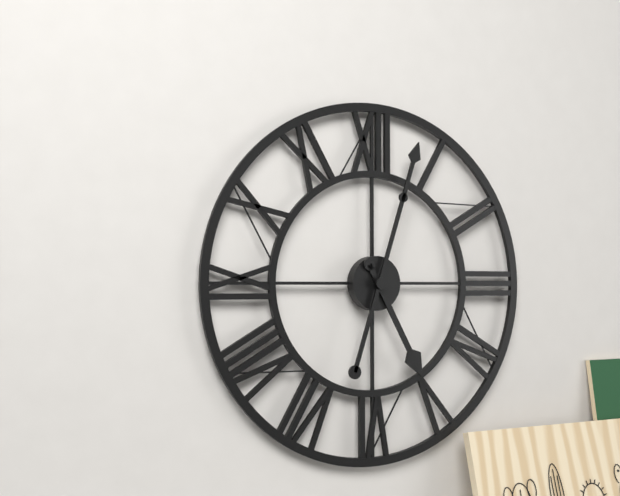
5:03
